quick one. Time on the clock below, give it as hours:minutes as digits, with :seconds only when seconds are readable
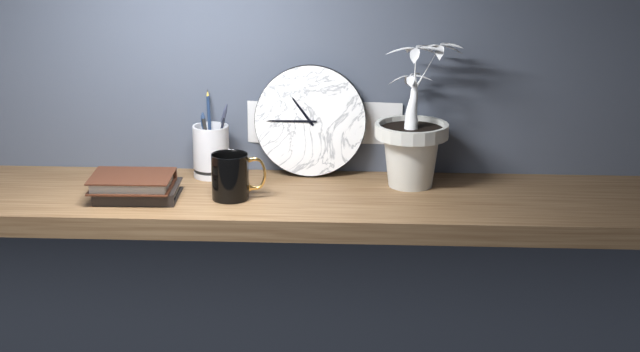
10:45
